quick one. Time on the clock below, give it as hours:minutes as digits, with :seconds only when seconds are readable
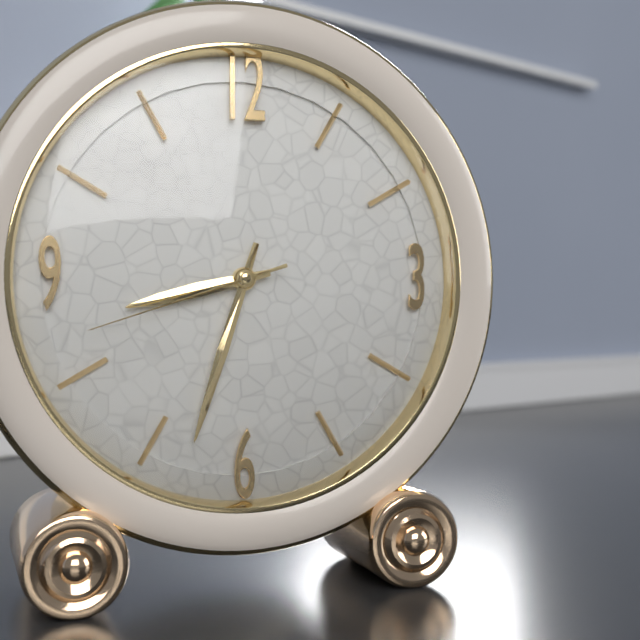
8:33:42
